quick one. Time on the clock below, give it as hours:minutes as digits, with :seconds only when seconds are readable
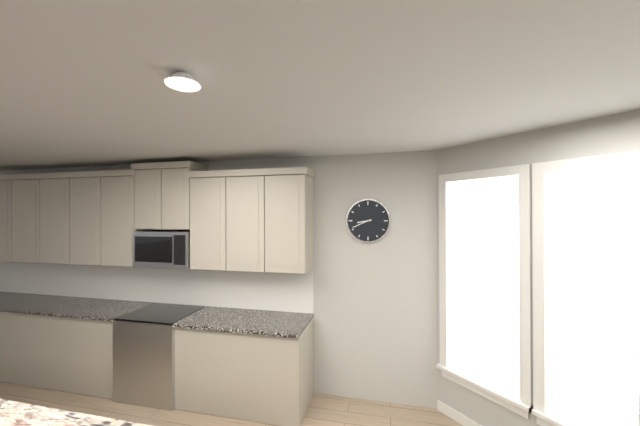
8:41
